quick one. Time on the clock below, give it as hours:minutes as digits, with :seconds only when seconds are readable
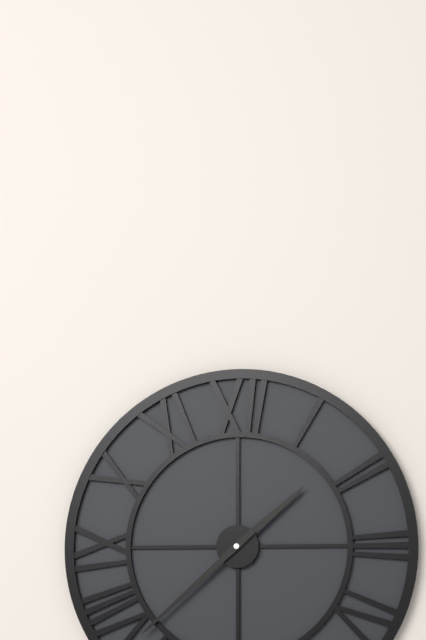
1:38
